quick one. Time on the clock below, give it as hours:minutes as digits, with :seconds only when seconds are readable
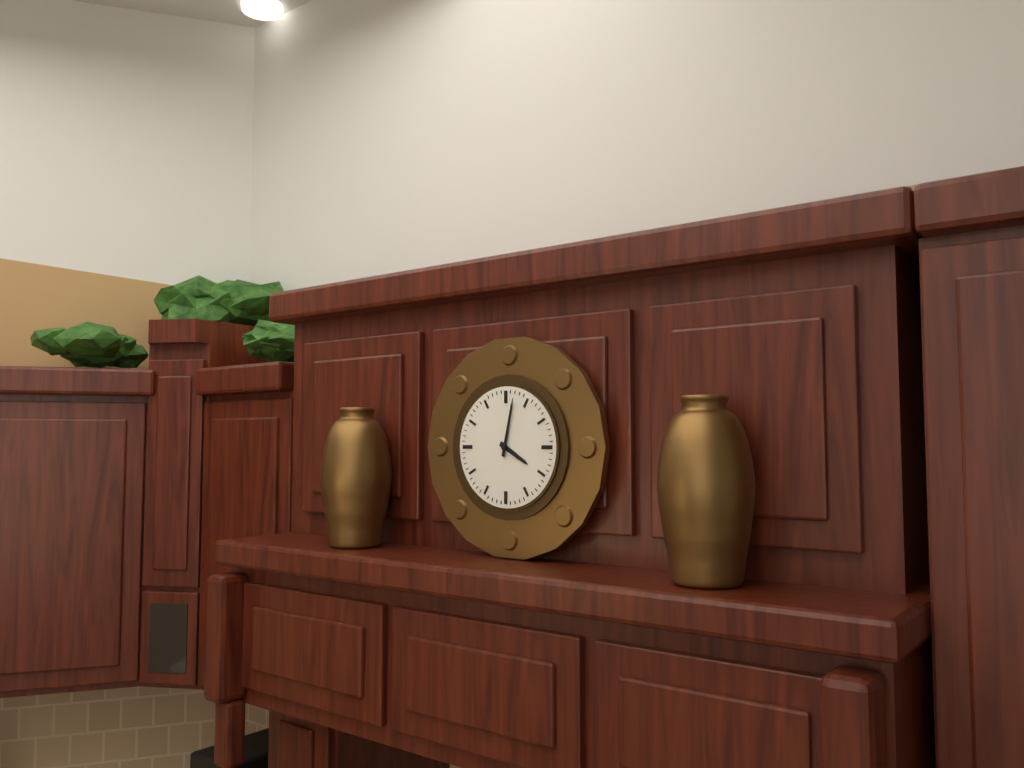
4:02
